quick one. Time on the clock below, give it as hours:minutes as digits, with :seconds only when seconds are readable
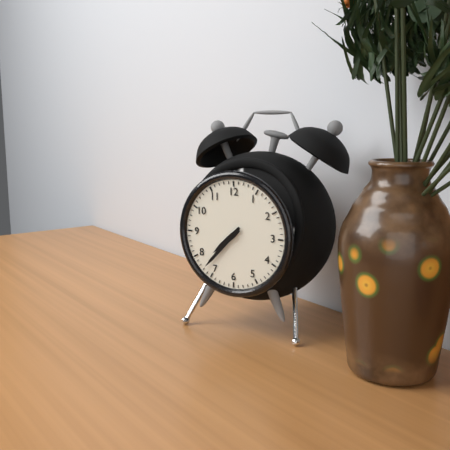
7:37
